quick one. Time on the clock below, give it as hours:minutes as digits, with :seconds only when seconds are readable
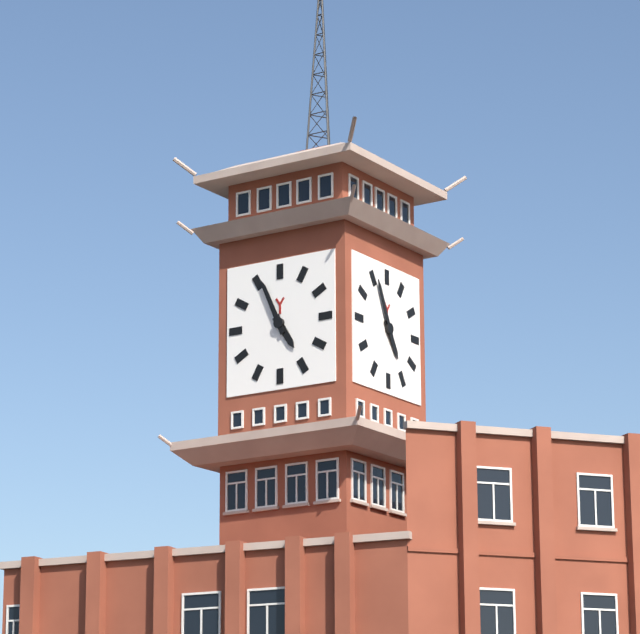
4:56
